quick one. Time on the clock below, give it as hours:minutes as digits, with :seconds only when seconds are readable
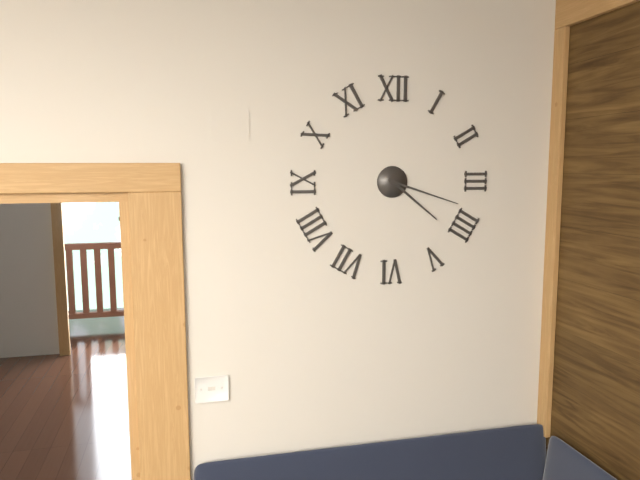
4:18
